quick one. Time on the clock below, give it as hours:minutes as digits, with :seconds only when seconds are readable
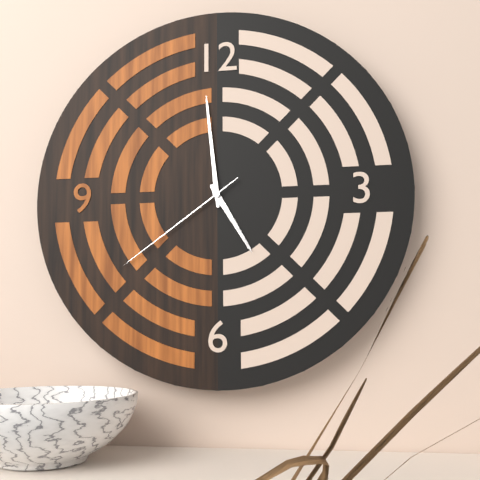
4:59:39
